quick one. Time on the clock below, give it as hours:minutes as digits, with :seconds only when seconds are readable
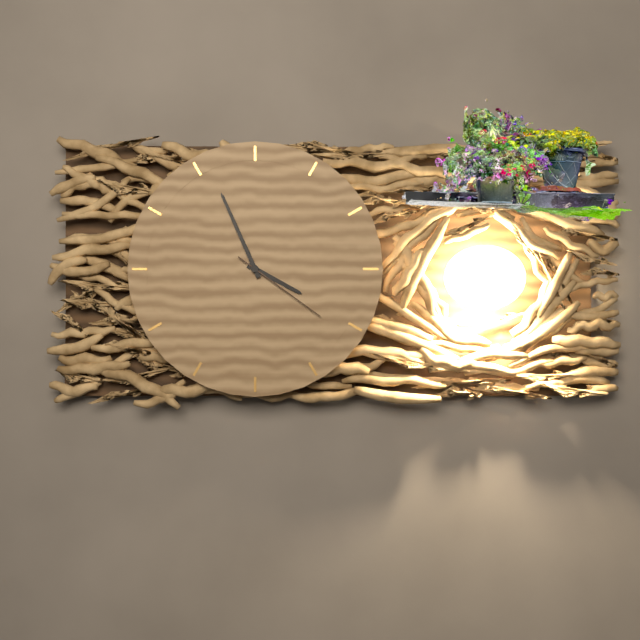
3:56:21
